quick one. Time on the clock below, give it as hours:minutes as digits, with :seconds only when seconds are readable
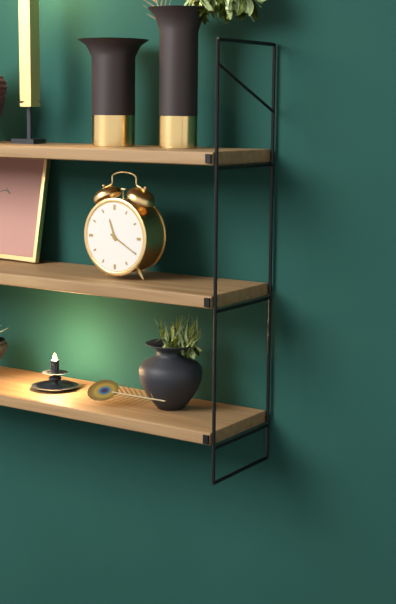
11:20
